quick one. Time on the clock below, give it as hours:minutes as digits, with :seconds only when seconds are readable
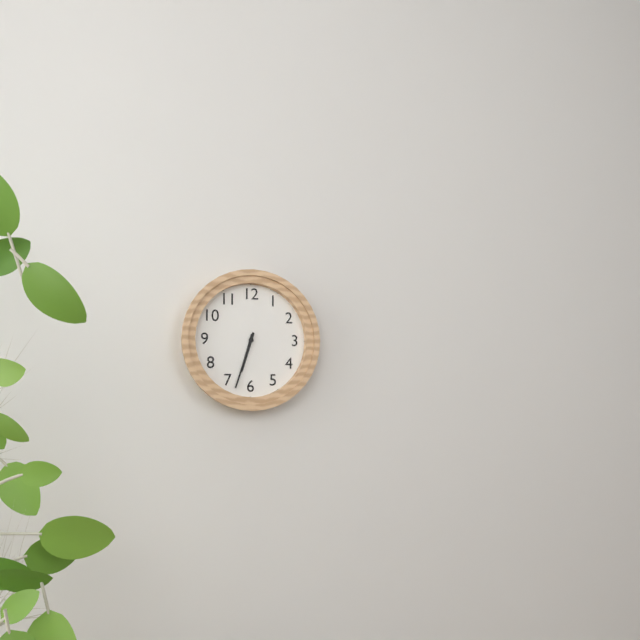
6:33
